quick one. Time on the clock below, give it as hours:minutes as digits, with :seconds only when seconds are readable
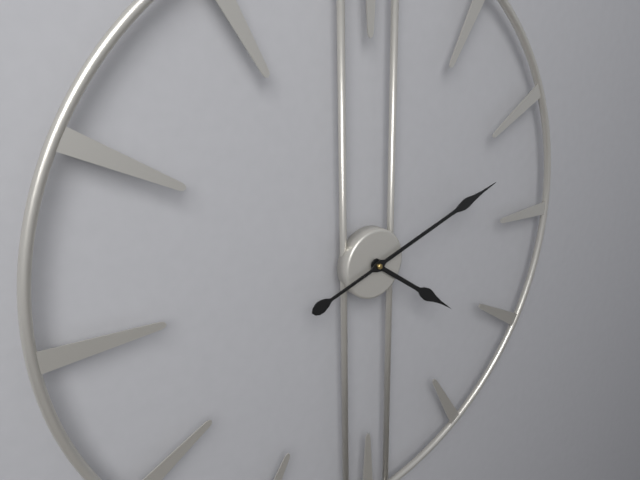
4:12
